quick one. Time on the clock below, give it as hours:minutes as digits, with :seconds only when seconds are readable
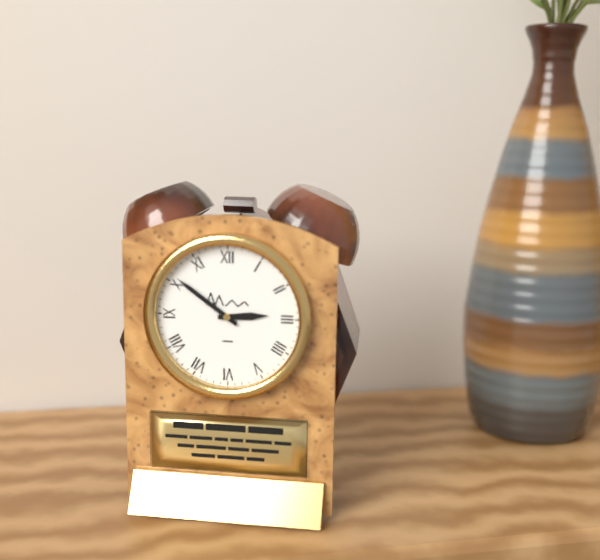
2:51
